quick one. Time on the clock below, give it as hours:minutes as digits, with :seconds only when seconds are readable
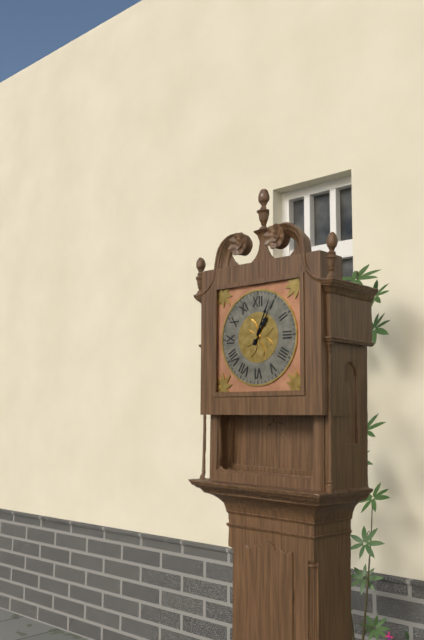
1:04
